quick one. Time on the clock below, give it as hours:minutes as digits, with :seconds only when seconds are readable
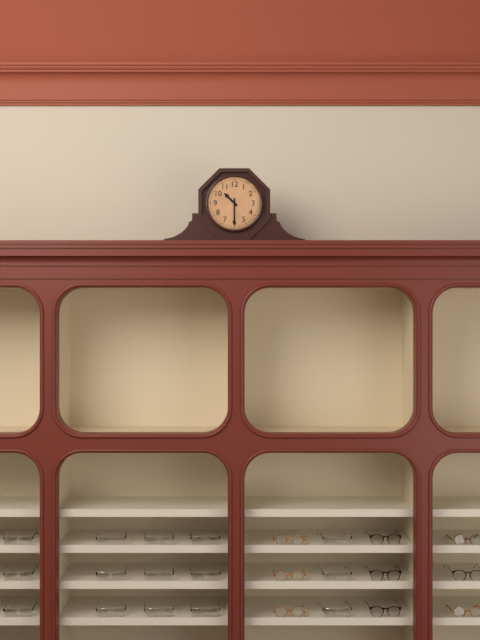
10:30
